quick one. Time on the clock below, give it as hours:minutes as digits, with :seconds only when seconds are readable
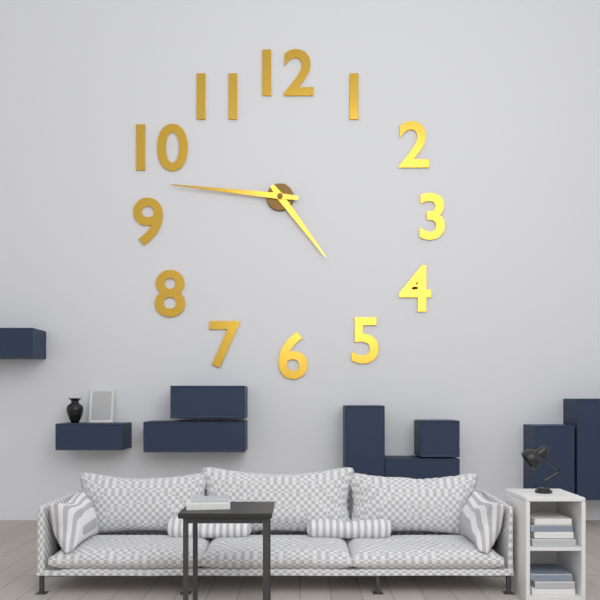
4:46
